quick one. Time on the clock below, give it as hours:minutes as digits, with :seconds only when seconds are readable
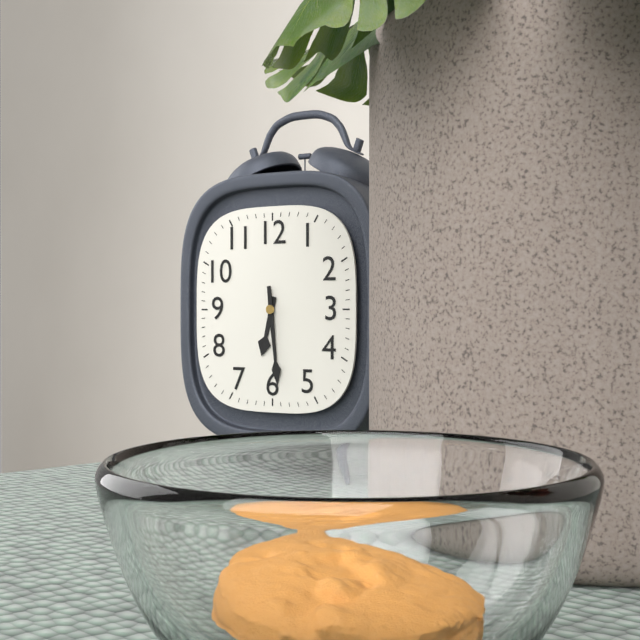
6:29
